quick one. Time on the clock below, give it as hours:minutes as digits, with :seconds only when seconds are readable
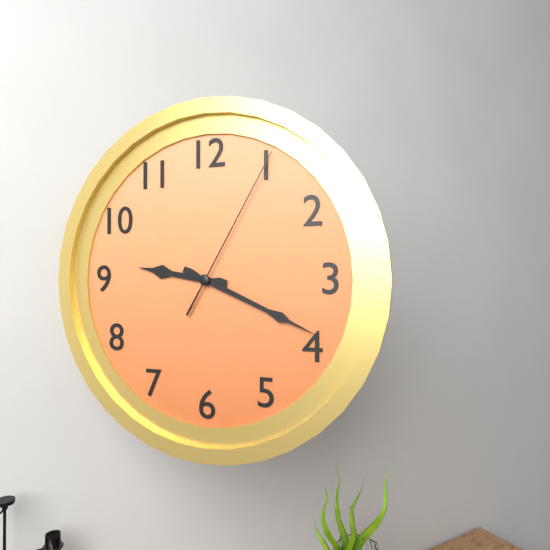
9:19:05
